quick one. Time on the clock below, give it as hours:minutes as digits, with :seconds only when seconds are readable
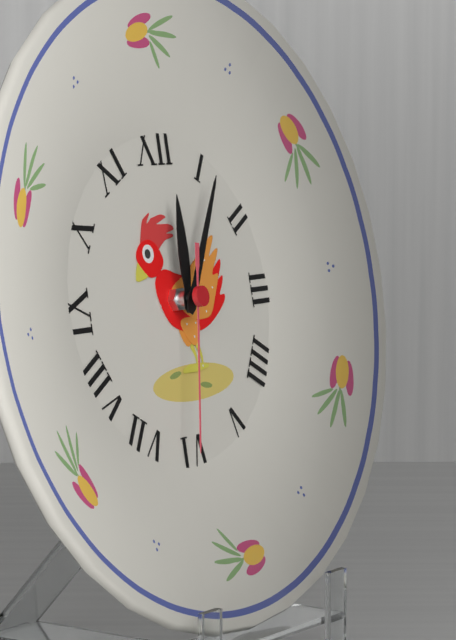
12:05:32
